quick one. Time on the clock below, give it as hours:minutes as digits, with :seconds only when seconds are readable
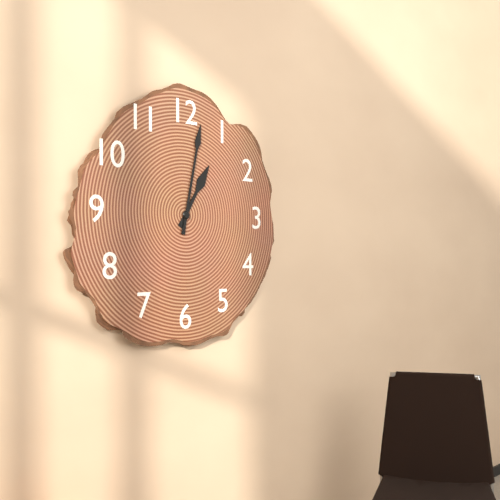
1:02
